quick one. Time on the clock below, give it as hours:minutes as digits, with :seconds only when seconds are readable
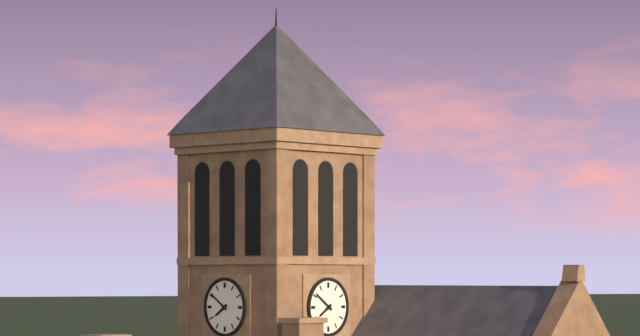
7:51
